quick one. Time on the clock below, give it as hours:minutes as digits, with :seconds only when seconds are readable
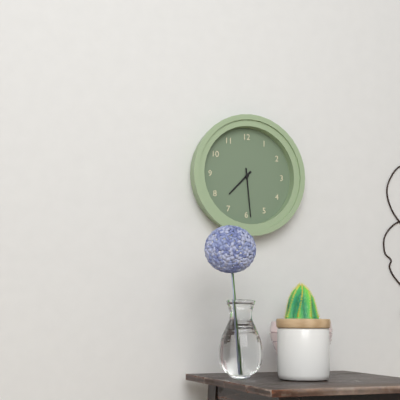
7:29
